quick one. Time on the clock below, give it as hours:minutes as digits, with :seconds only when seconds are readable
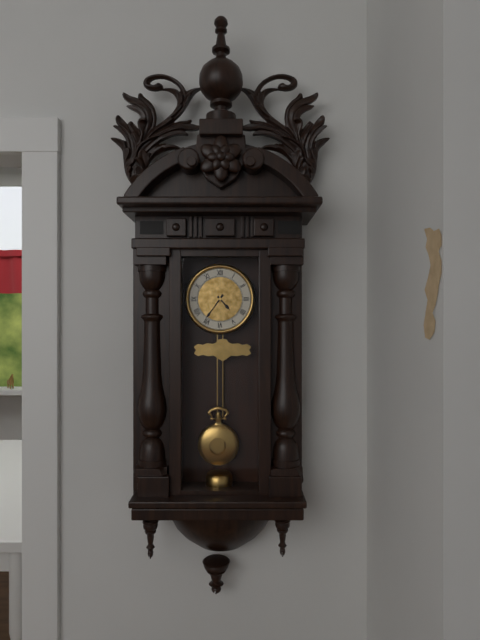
4:36
